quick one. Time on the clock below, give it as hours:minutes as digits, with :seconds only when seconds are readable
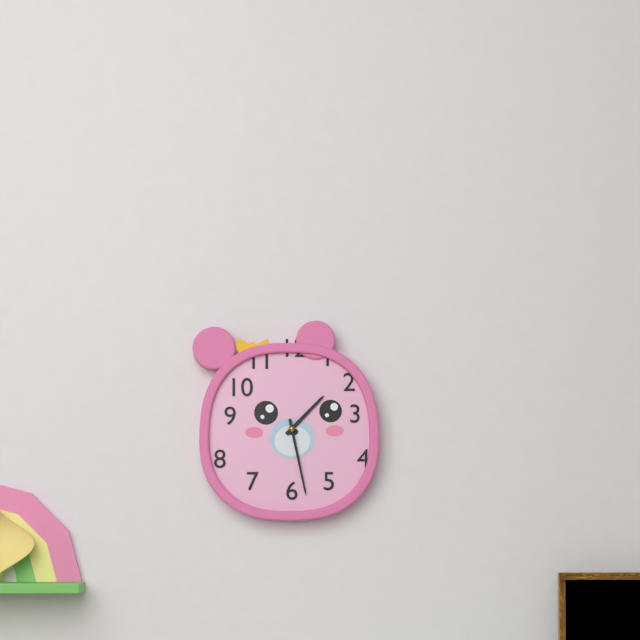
1:28
